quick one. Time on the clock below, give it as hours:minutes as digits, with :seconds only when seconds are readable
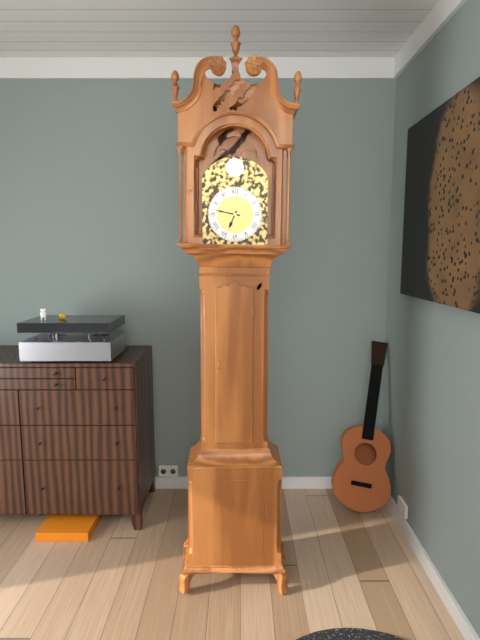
6:47
